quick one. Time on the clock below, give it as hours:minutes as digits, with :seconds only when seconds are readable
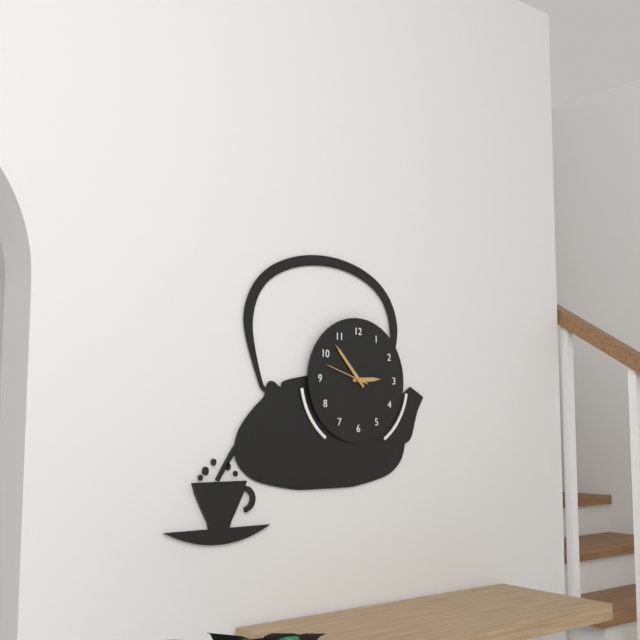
2:53
